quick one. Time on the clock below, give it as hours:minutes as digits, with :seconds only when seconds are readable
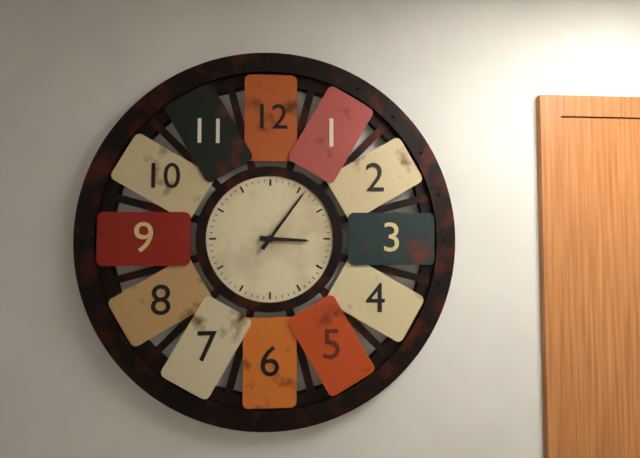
3:06
